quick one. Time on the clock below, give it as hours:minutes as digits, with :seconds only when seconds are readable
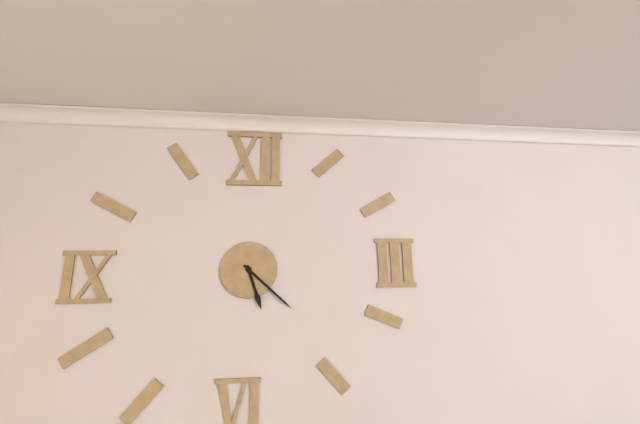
5:22
